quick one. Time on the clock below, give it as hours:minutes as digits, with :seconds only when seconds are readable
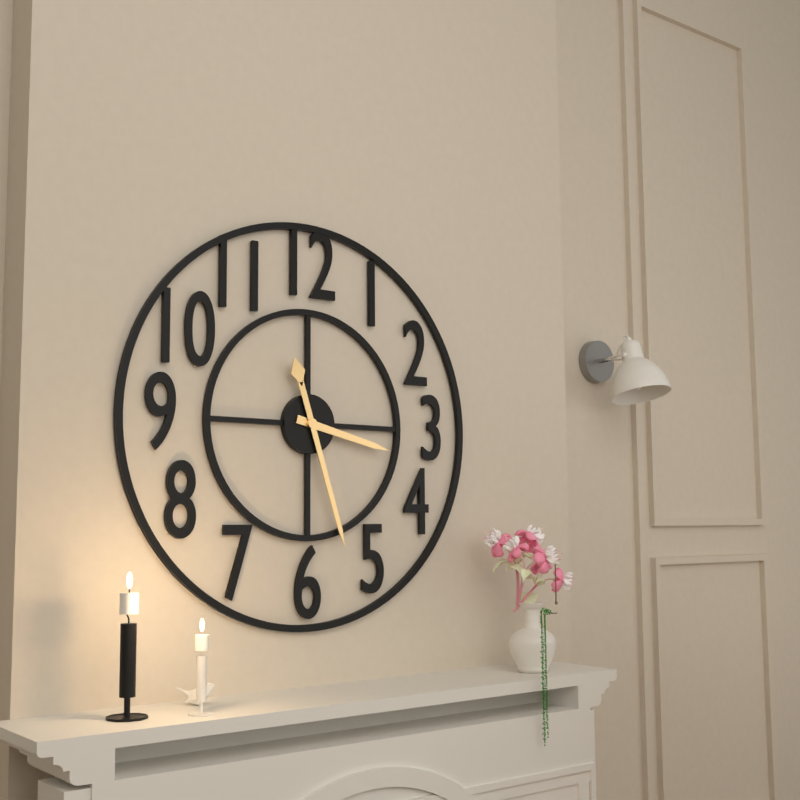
3:27
